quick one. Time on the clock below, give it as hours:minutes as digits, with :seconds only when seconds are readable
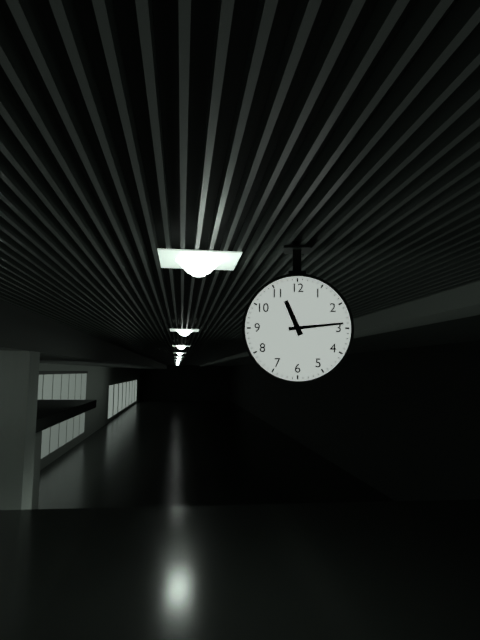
11:14
